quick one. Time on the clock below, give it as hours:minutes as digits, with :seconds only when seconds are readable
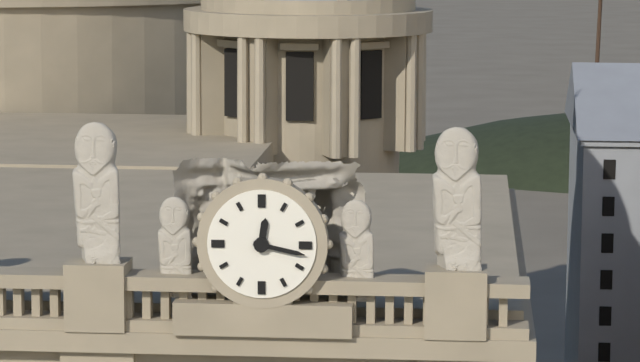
12:17
